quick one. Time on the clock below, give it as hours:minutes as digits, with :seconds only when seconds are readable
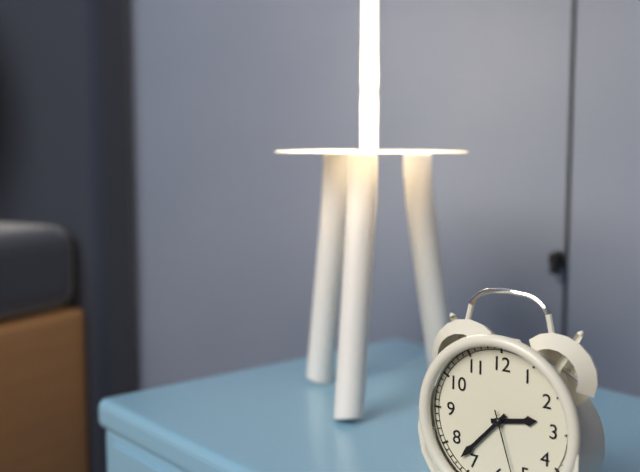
2:37
